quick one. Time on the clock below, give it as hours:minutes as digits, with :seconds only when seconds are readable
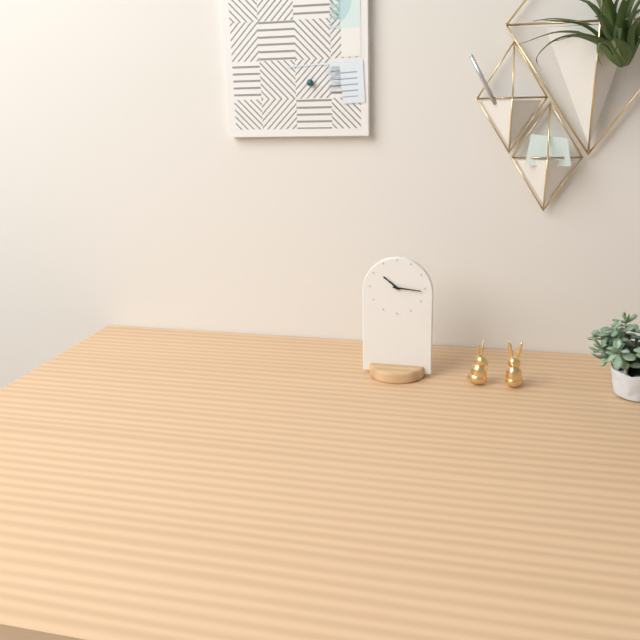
10:16
